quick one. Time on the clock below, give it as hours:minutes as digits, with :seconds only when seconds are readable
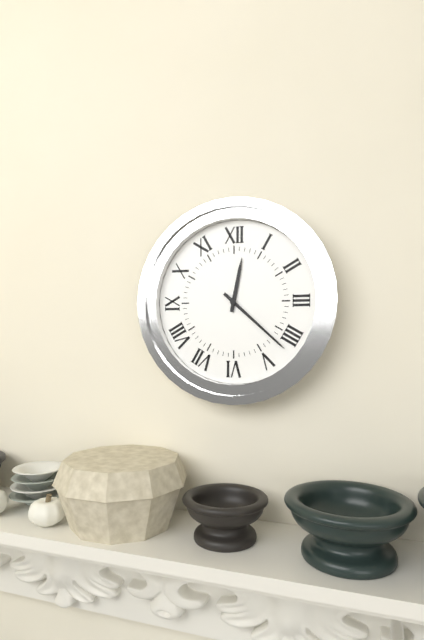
12:22
